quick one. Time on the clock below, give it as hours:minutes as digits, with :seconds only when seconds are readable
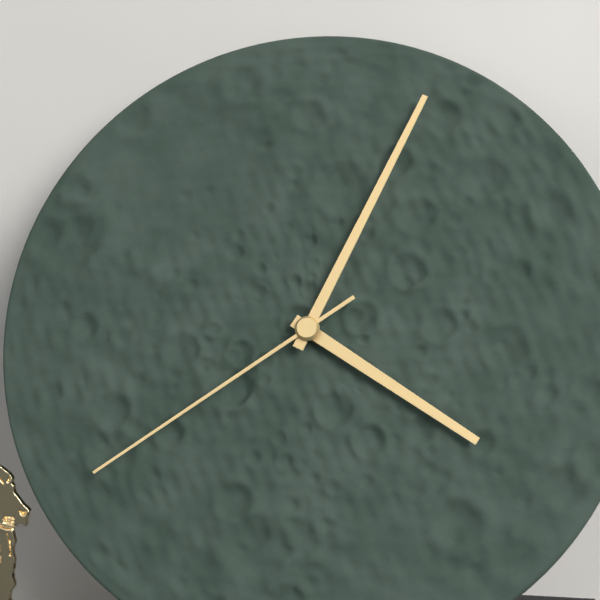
4:04:39
